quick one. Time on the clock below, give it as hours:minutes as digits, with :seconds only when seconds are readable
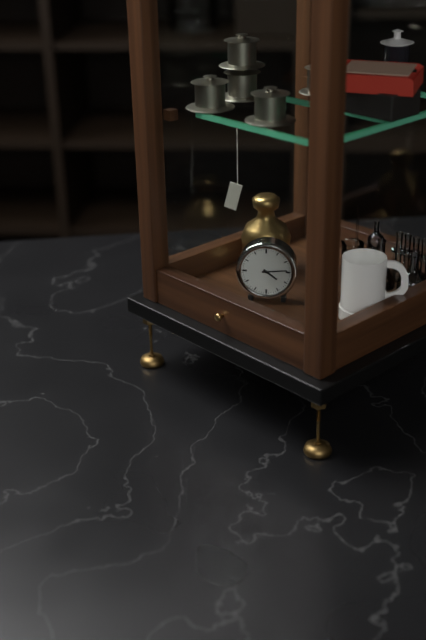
4:14
